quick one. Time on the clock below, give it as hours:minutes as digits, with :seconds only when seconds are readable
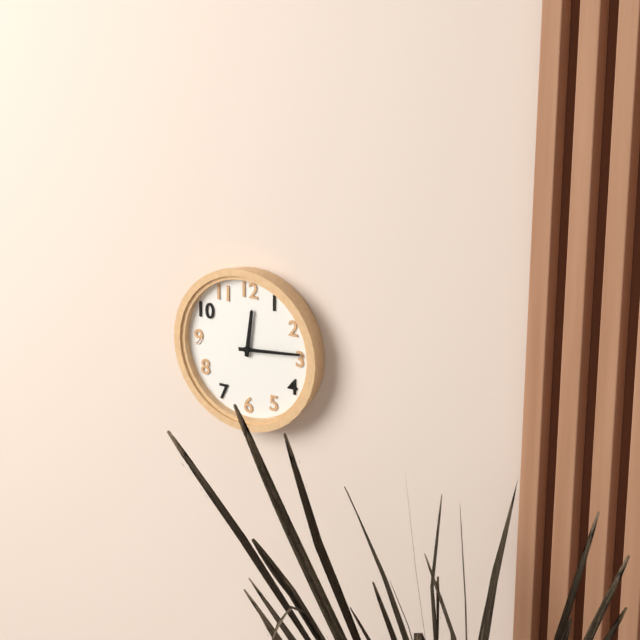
12:14
